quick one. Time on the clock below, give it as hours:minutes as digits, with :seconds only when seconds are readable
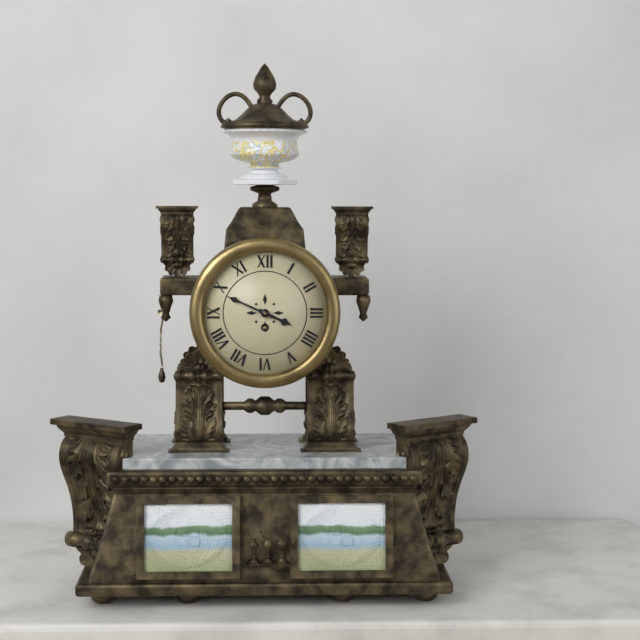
3:49
